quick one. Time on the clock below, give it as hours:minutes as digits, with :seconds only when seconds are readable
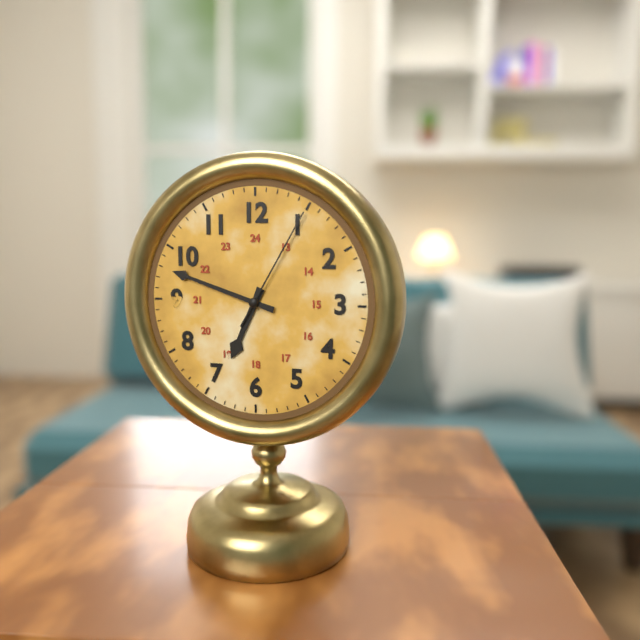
6:48:05
